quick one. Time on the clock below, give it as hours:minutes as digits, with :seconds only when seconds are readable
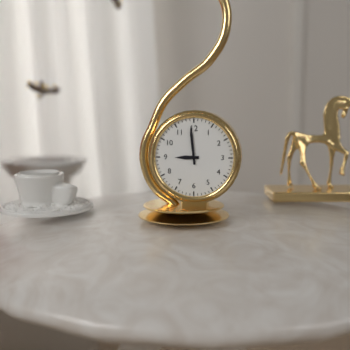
8:59
